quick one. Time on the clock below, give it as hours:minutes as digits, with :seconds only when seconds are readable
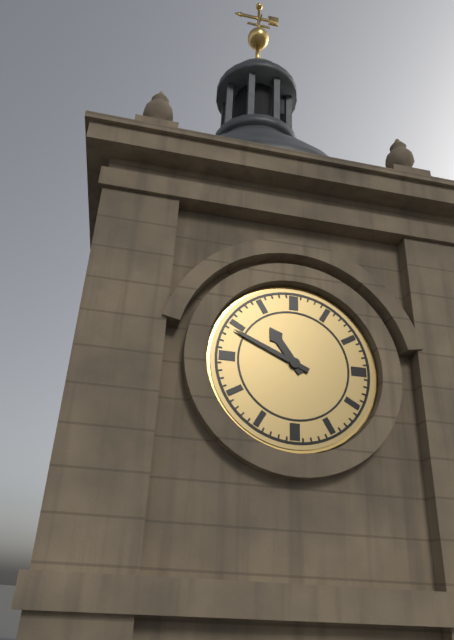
10:49
